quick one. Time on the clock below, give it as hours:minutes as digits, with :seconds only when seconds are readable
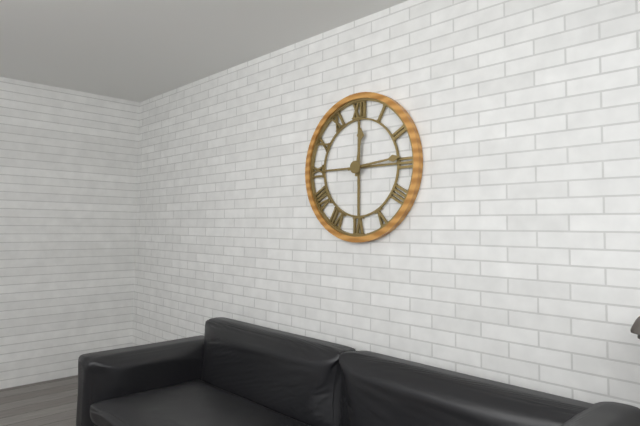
12:14
